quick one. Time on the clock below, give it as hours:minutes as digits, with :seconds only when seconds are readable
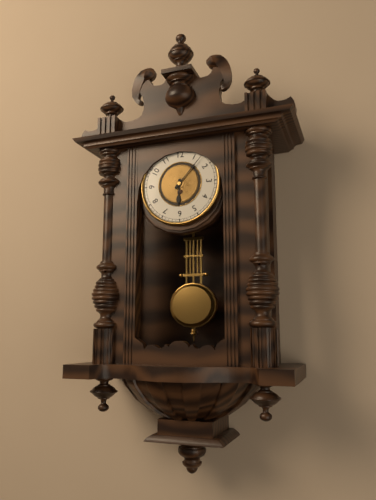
6:07
